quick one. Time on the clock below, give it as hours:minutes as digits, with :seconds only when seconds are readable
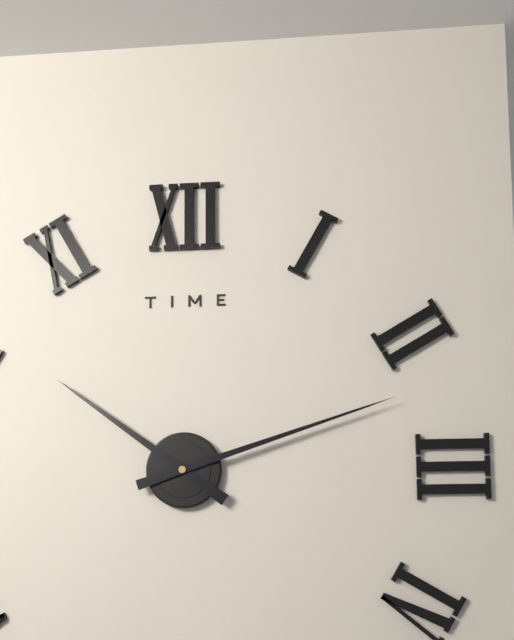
10:12
